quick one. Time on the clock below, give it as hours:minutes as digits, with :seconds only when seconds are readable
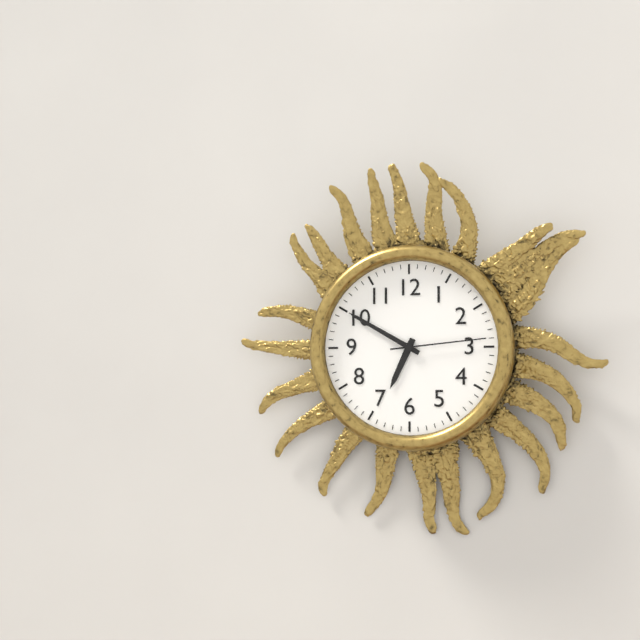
6:50:14
